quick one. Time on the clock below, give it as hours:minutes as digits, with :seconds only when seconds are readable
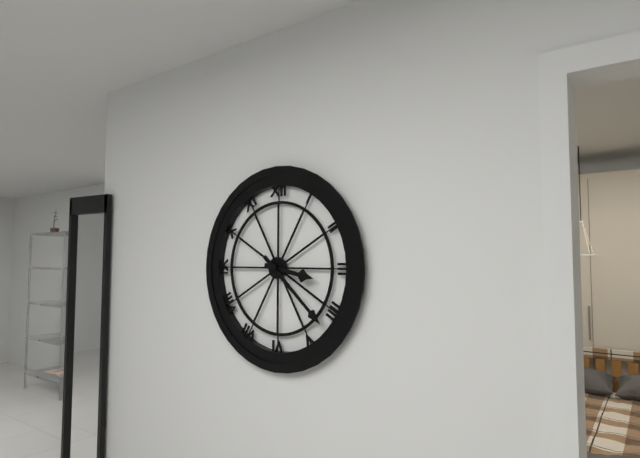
3:22
